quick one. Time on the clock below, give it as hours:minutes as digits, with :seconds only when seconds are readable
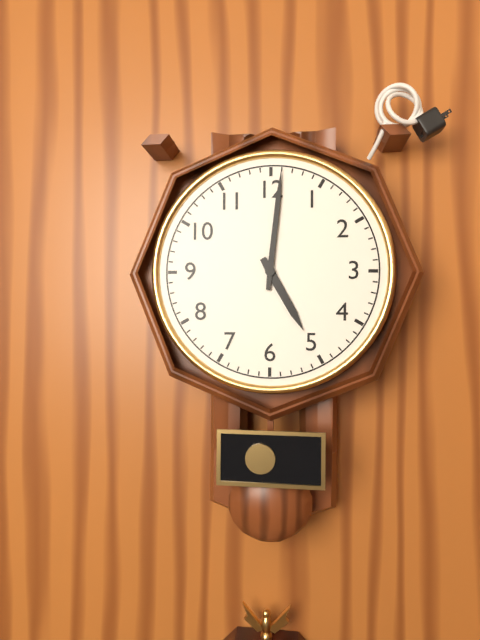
5:01
